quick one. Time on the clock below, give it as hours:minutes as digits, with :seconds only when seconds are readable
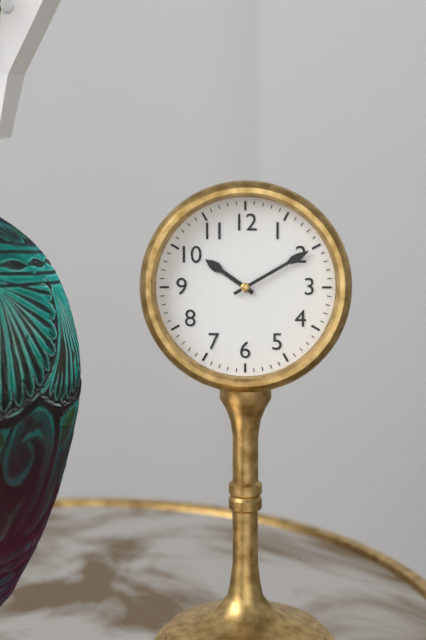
10:10
